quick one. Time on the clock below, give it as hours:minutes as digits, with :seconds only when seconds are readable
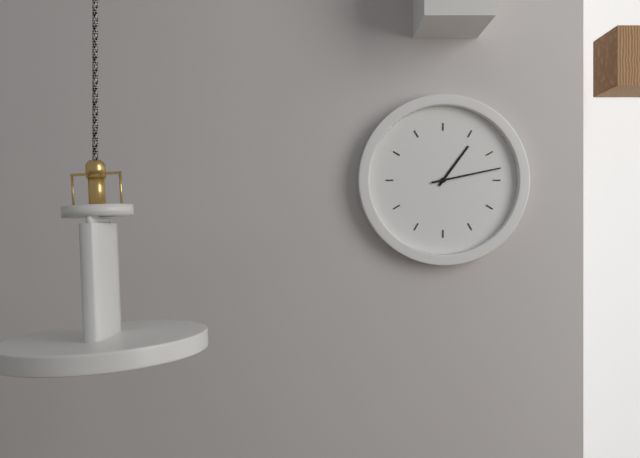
1:13
